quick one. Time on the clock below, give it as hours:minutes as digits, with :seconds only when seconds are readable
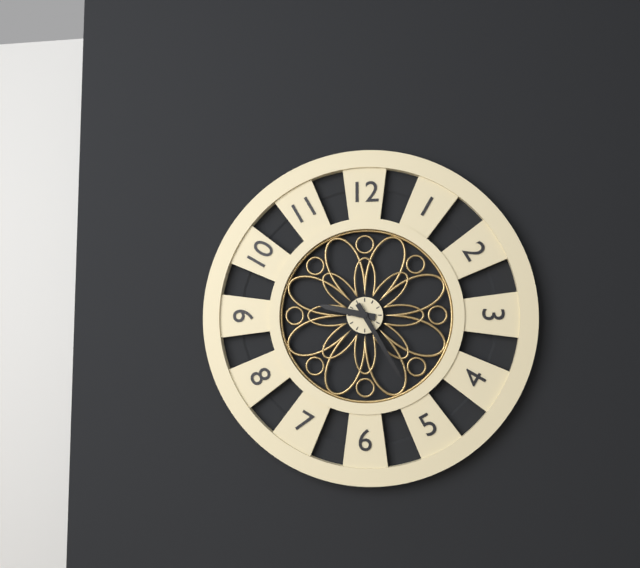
9:25
